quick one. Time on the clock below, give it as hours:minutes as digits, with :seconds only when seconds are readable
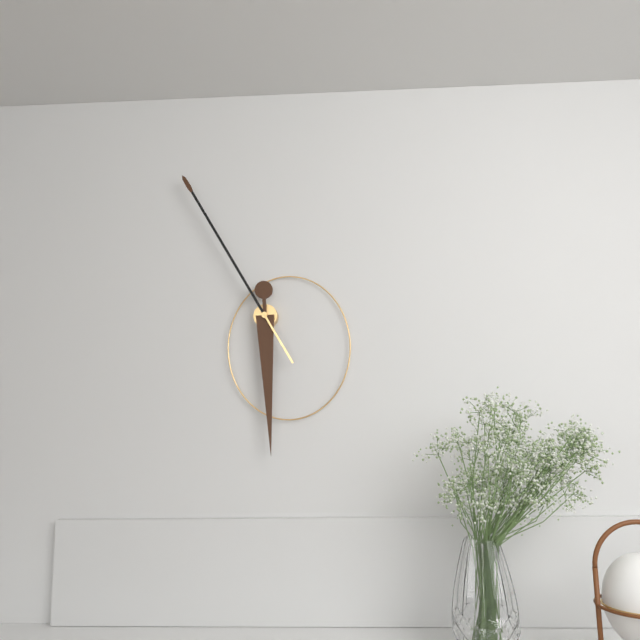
5:55
